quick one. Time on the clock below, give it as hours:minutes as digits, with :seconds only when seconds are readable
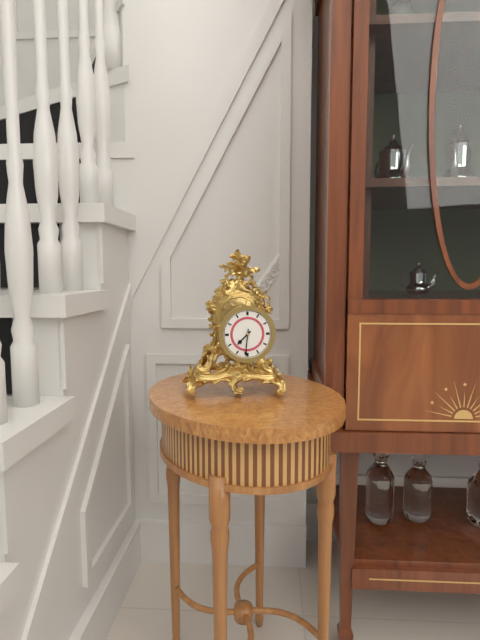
7:31
